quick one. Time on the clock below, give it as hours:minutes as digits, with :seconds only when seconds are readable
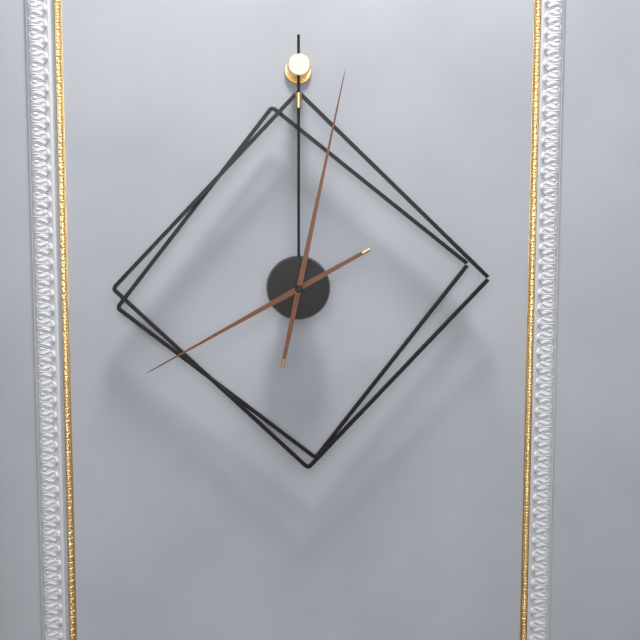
8:02
